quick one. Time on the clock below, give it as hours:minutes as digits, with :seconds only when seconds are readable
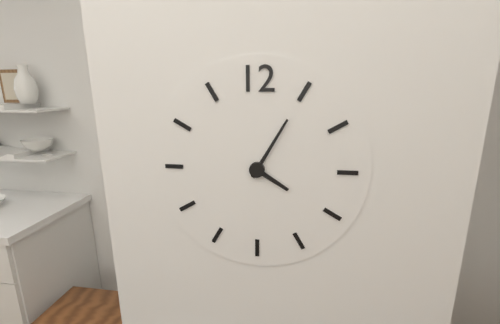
4:05
